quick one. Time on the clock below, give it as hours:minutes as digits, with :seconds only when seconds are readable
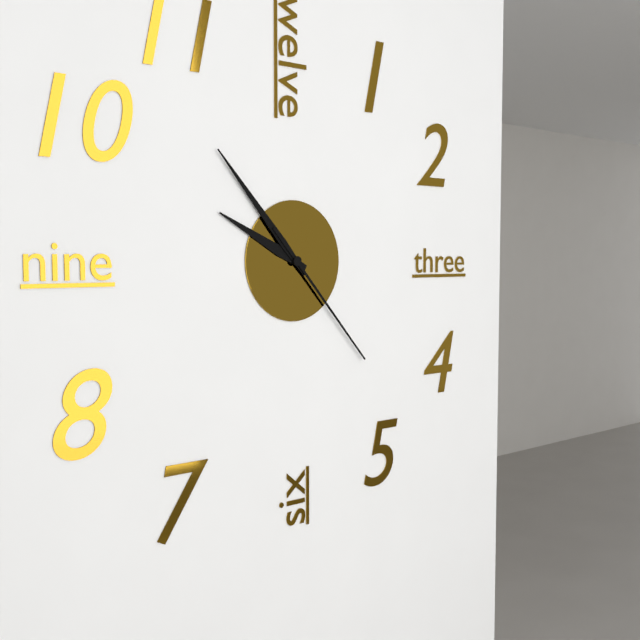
9:53:23
